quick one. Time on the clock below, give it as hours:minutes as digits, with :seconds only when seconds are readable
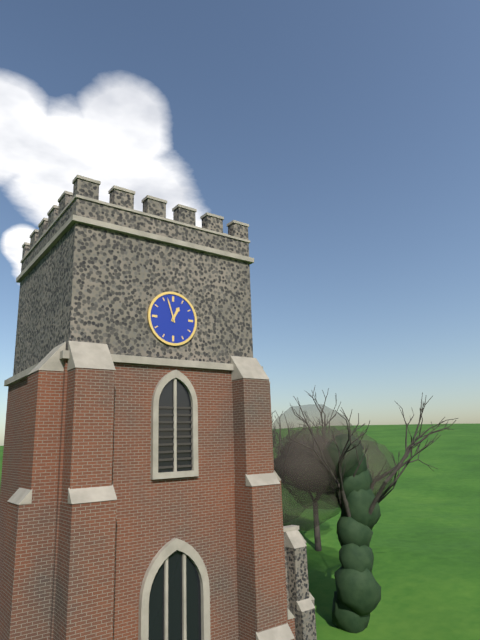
12:57
